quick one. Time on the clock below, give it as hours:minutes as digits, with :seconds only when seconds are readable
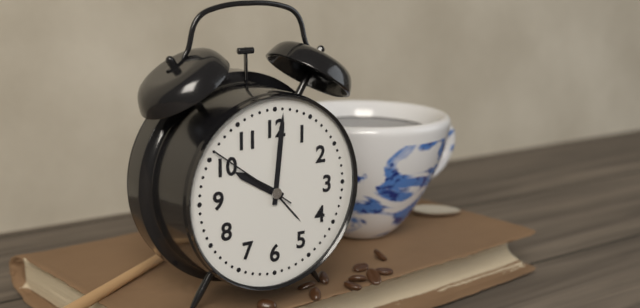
10:01:51
